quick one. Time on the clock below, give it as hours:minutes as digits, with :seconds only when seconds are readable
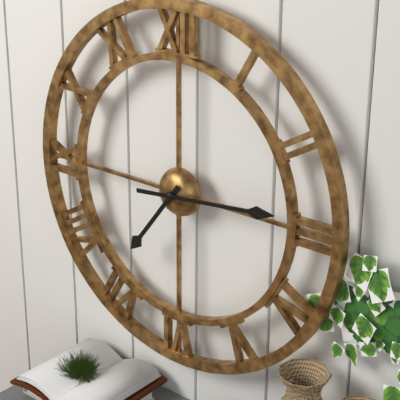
7:14
